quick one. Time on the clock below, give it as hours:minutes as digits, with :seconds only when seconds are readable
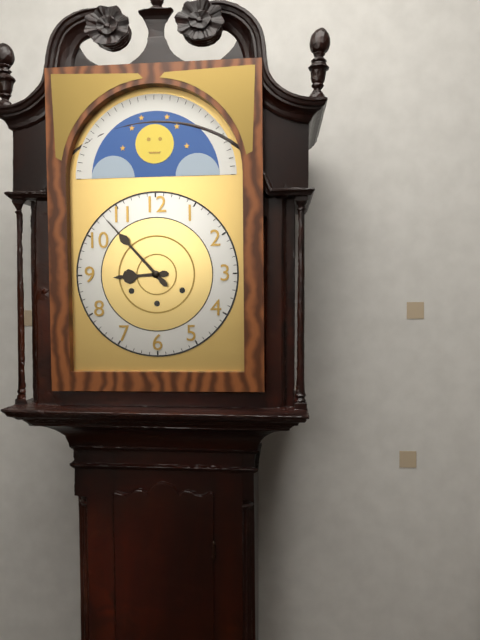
8:53
